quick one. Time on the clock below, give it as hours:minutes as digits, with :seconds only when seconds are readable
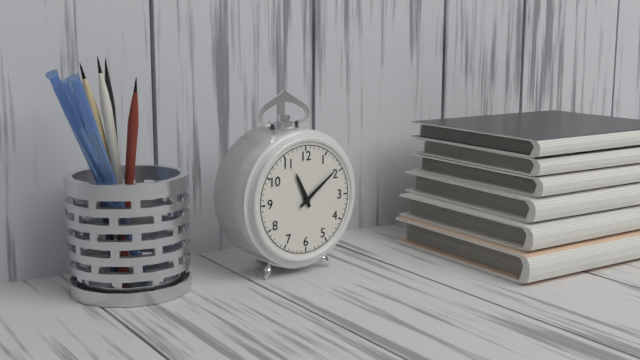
11:09
